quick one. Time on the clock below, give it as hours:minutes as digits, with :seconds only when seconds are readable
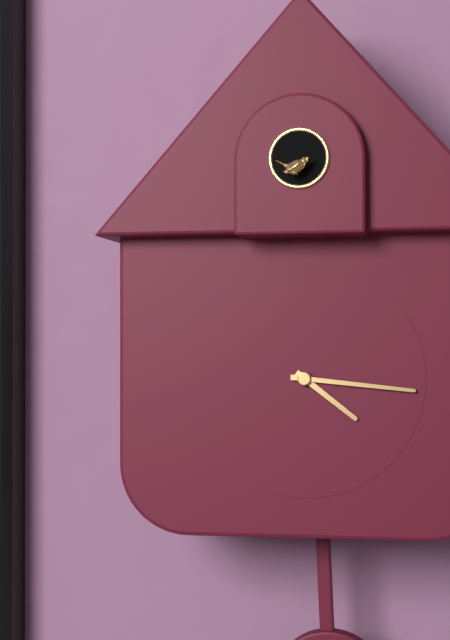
4:16
